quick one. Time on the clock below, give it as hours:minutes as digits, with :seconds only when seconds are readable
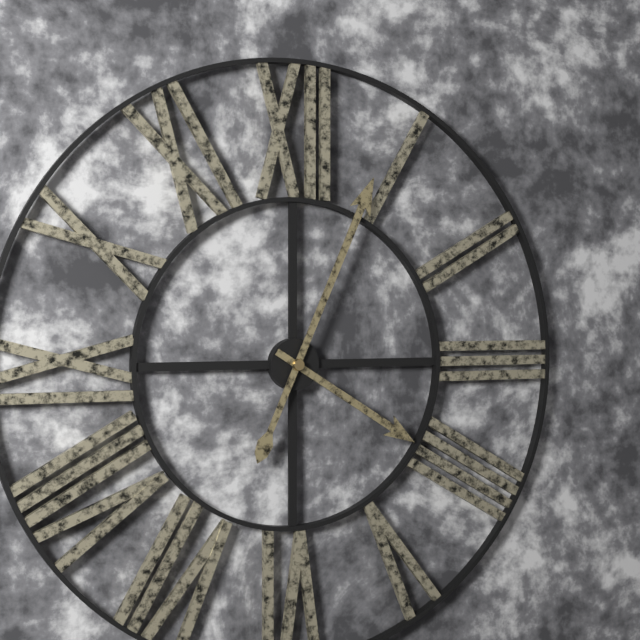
4:04
